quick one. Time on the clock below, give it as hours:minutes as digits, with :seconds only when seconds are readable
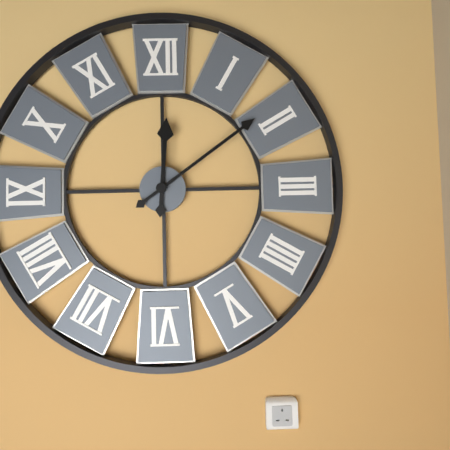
12:09
